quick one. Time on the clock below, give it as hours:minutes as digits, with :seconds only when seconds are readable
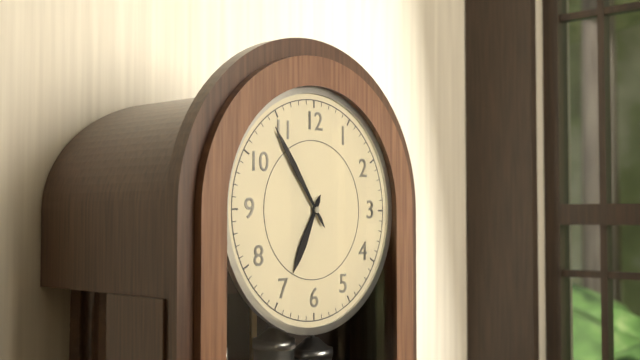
6:54
